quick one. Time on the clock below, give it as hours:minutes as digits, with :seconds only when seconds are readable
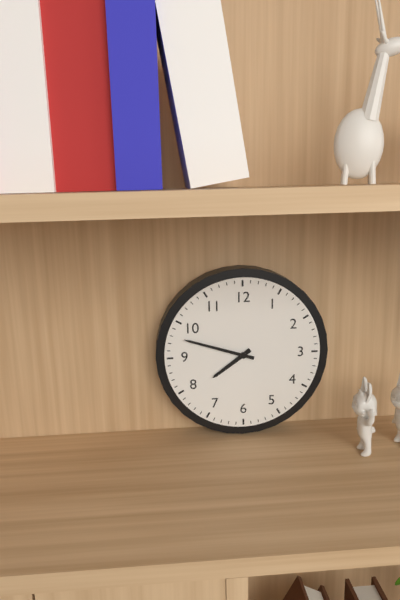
7:48
